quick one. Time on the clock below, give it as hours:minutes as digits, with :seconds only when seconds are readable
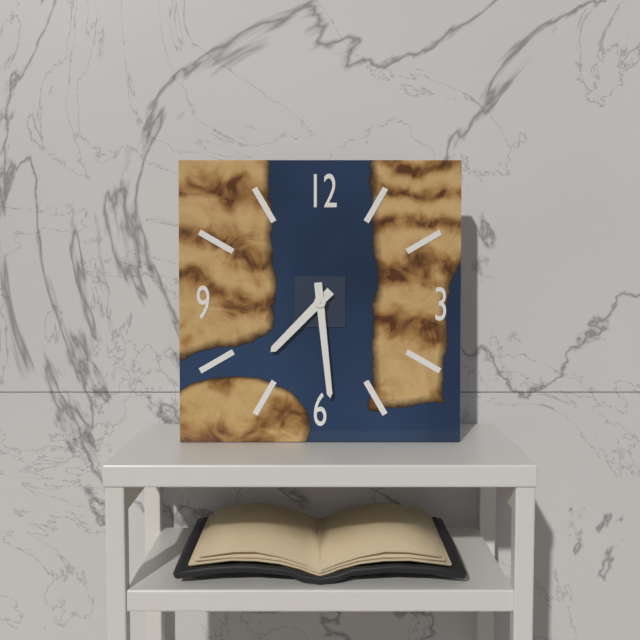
7:29
